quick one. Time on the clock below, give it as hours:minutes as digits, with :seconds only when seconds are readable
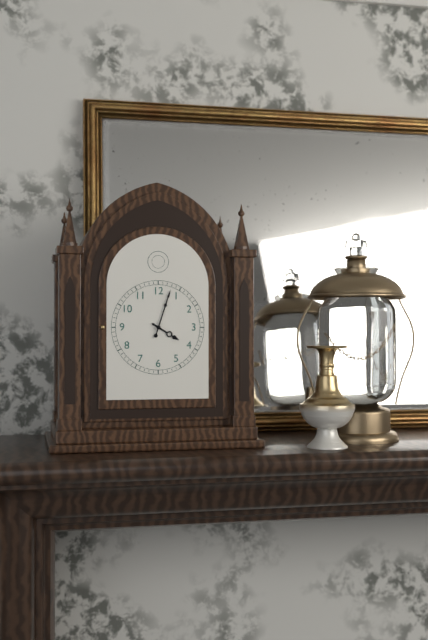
4:03
